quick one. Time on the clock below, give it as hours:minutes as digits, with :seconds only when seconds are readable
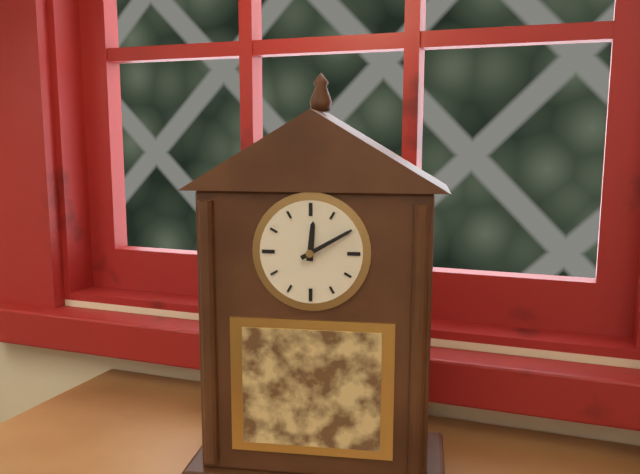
12:10
